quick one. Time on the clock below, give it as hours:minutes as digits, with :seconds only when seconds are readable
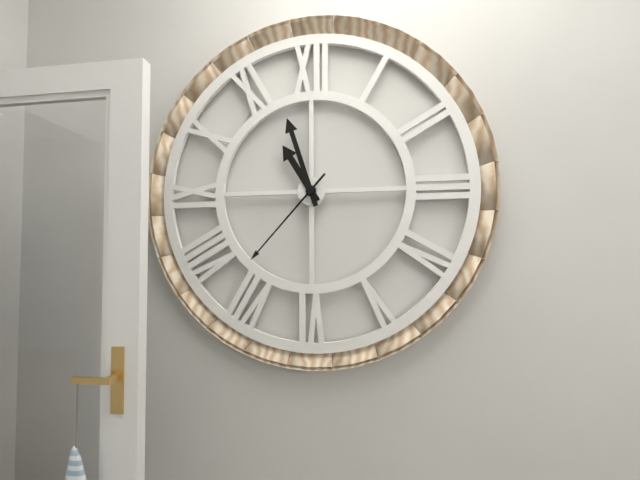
10:57:37
